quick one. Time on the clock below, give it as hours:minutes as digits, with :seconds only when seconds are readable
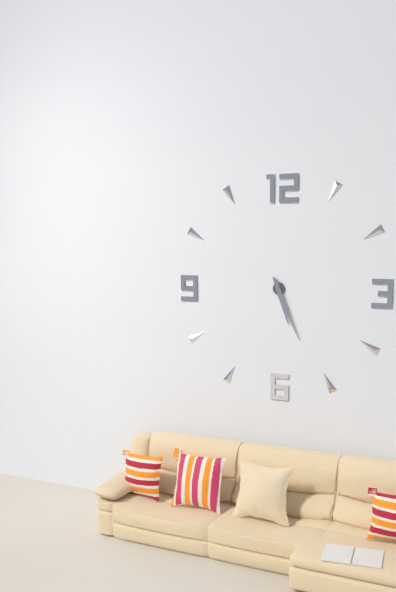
5:26
